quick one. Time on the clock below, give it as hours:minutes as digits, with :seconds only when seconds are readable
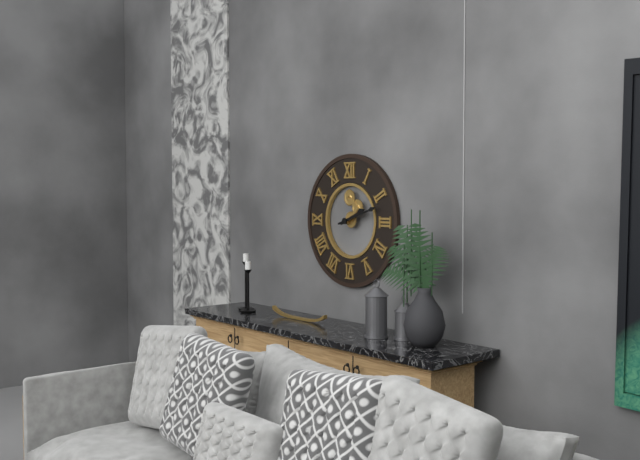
2:12
